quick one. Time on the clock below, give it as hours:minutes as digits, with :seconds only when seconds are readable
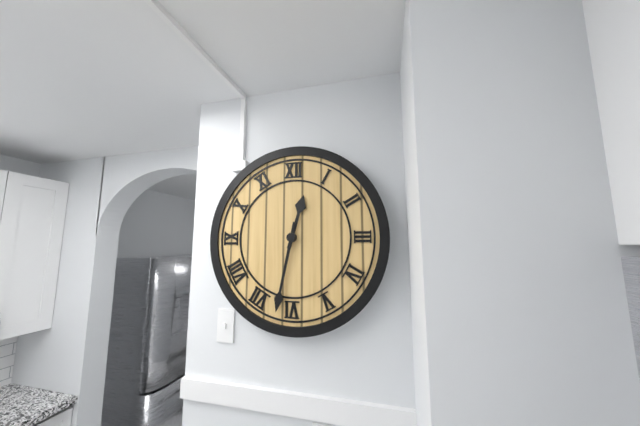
12:32
